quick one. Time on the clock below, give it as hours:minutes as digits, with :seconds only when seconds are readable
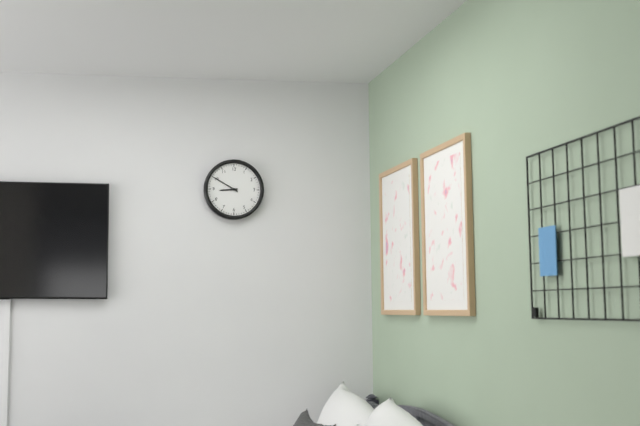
8:50
